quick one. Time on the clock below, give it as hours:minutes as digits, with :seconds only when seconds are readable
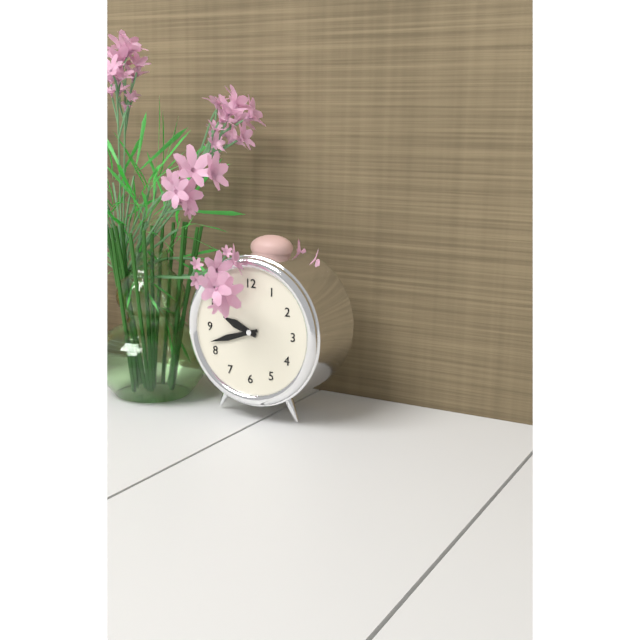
9:42
